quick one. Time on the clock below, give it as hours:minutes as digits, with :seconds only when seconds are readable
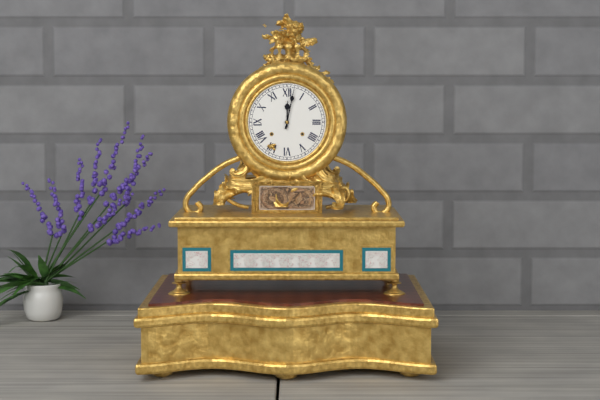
12:02
